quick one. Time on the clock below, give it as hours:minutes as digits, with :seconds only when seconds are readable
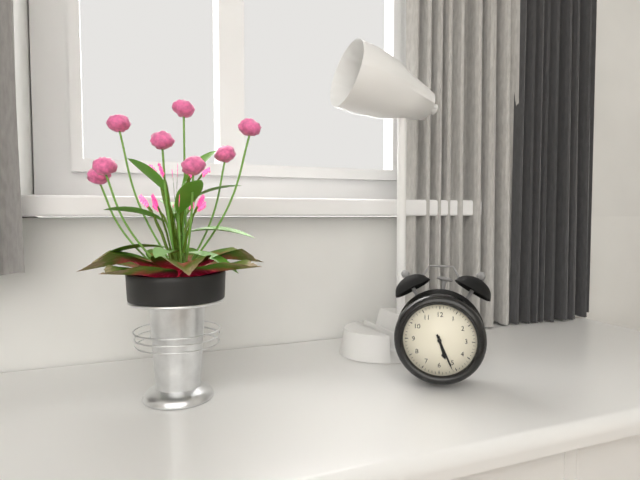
5:26
